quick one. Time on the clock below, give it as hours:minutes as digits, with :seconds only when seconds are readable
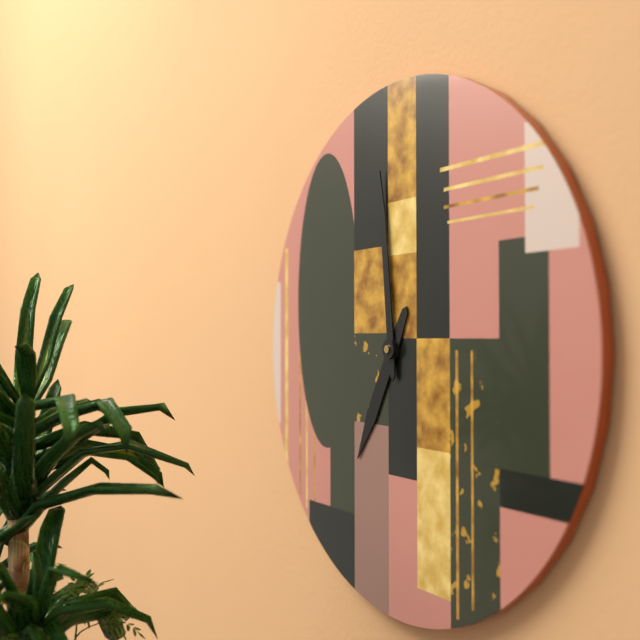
6:59
